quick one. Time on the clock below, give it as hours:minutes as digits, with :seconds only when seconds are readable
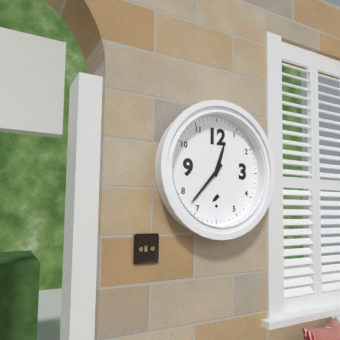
12:37
